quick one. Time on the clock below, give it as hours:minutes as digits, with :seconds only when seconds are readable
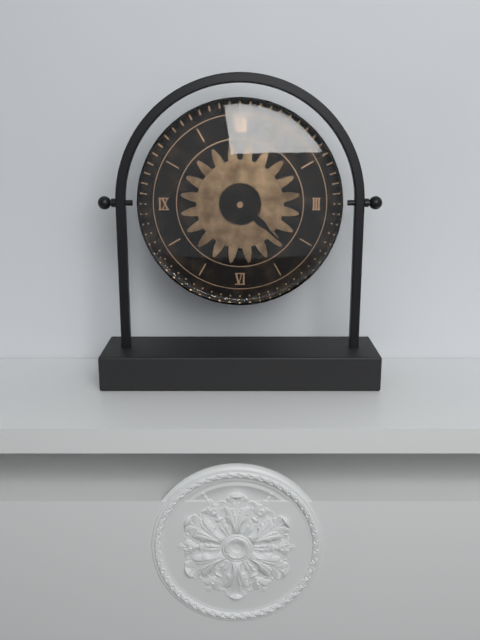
4:22
